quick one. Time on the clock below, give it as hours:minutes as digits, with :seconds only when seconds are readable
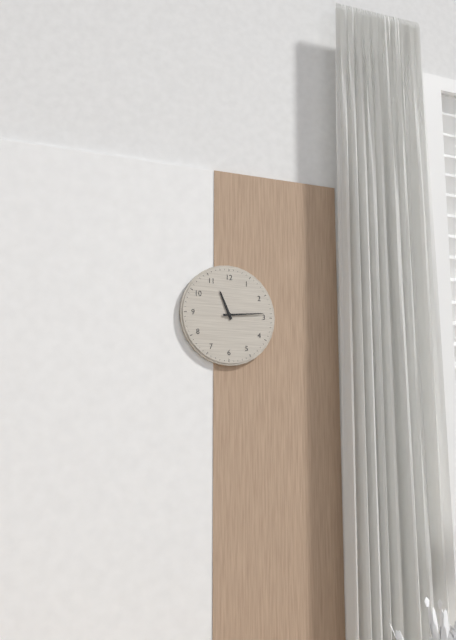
11:14
